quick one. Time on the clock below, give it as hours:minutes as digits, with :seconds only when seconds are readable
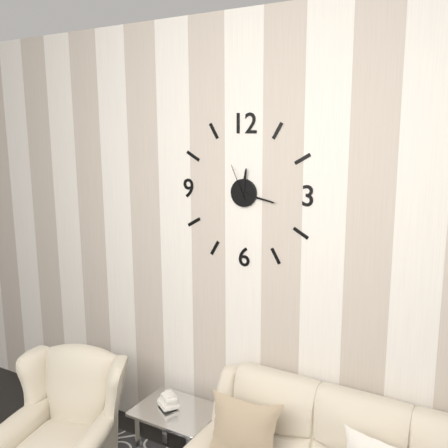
12:17
